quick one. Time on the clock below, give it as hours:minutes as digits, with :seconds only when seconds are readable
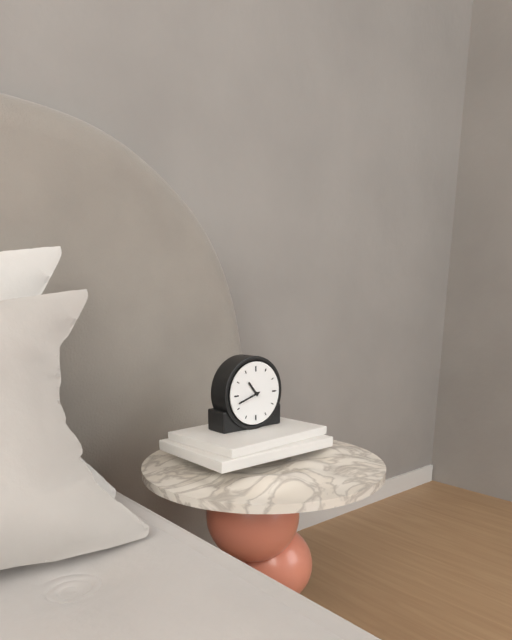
10:42
